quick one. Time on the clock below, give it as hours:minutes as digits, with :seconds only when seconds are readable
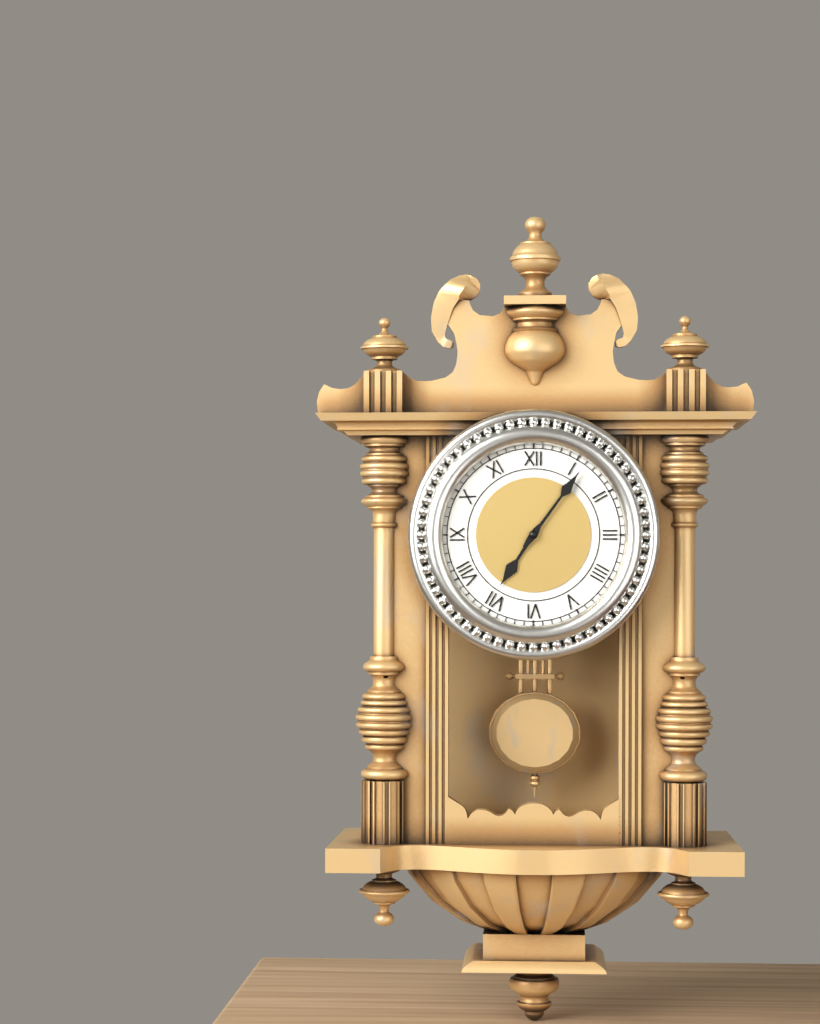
7:06
